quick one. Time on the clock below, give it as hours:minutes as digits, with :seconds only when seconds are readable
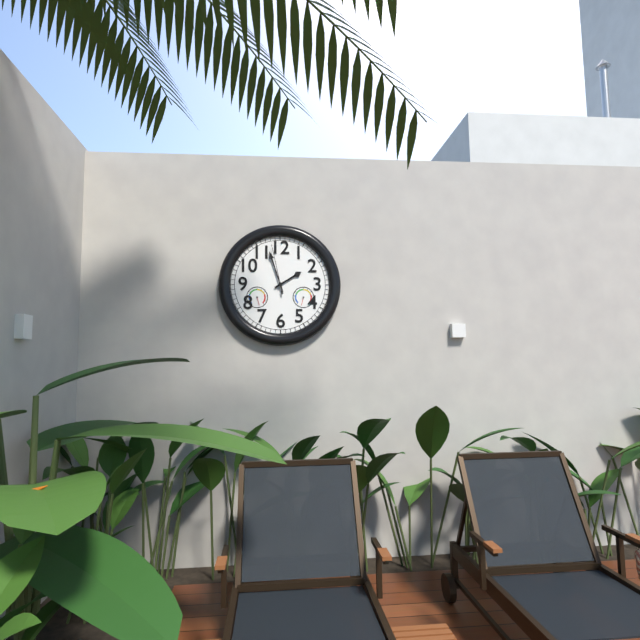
1:57:58
